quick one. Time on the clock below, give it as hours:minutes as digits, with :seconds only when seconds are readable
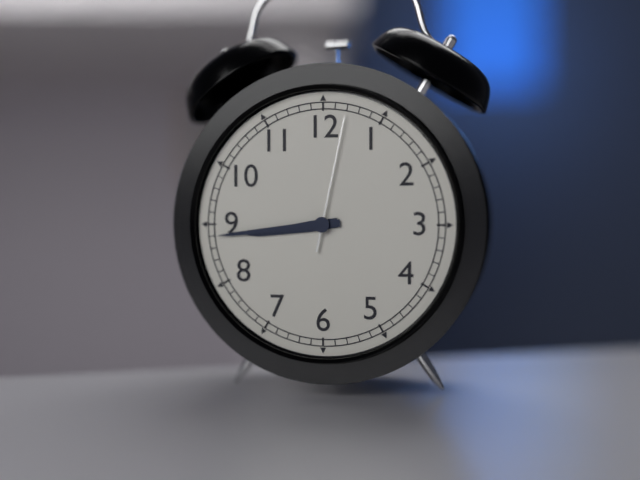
8:44:02
